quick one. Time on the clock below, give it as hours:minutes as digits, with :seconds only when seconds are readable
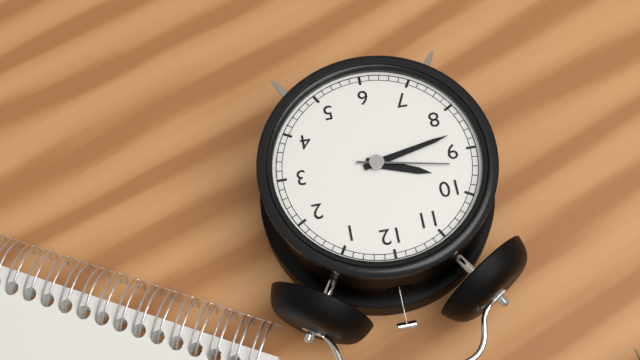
9:43:47
